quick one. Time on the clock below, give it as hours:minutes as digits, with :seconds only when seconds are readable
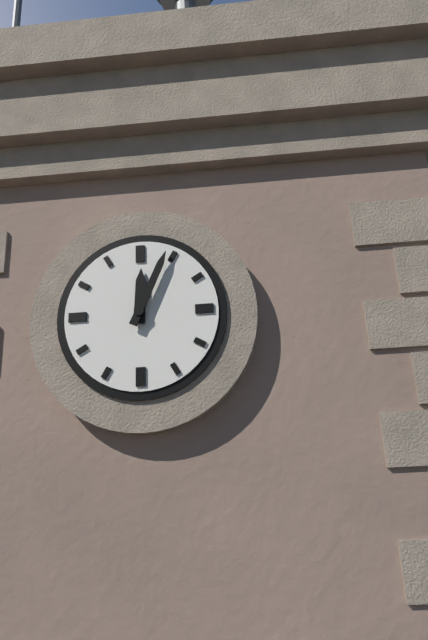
12:04
